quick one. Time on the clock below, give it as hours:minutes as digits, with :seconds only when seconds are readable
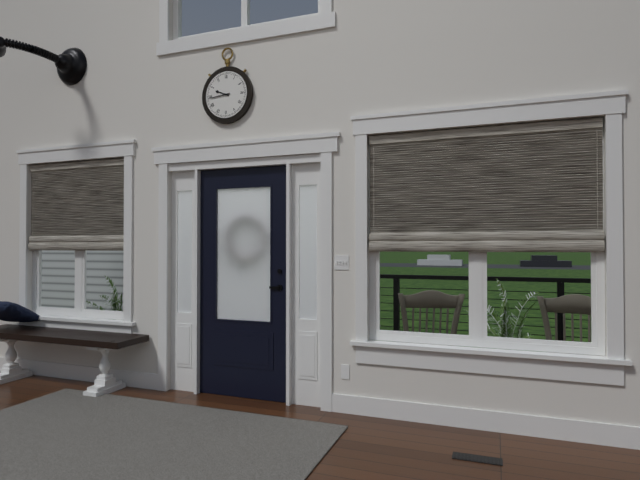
9:44
